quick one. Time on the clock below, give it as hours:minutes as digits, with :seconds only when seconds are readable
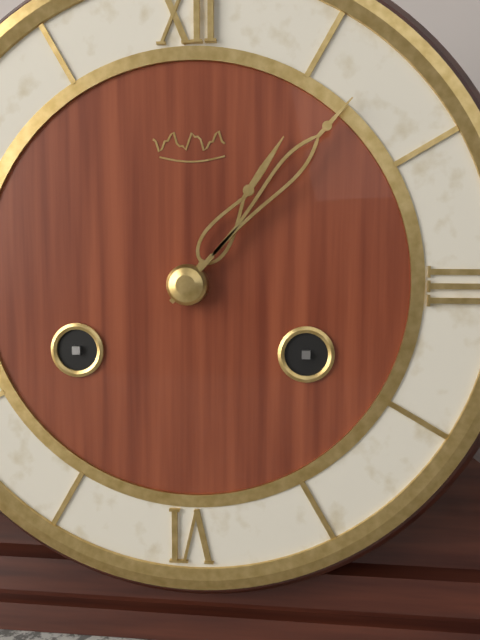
1:07
